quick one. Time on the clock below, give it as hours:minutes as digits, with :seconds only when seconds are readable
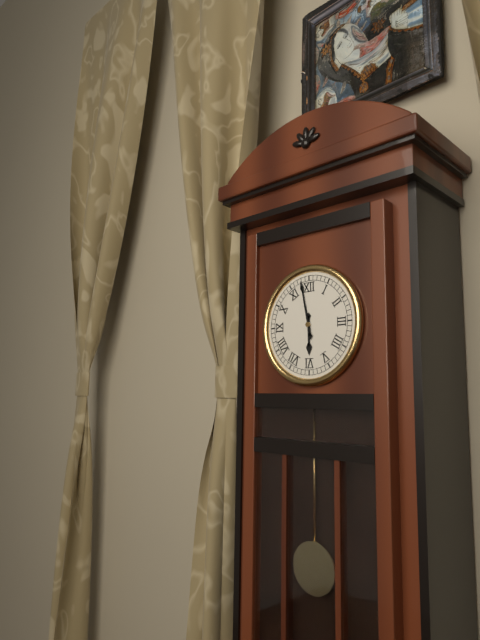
5:58
